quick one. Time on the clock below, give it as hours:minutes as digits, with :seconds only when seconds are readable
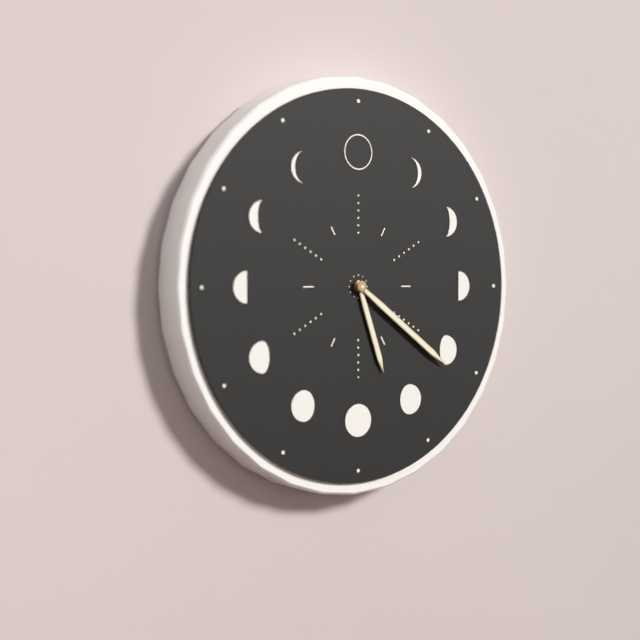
5:21
